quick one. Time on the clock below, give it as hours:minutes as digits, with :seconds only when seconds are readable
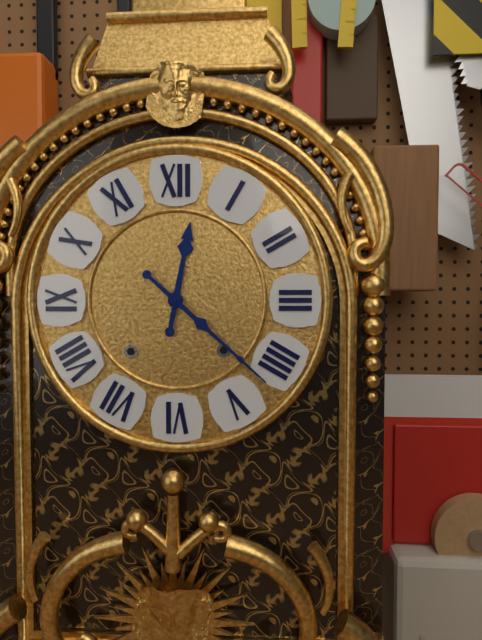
12:22
